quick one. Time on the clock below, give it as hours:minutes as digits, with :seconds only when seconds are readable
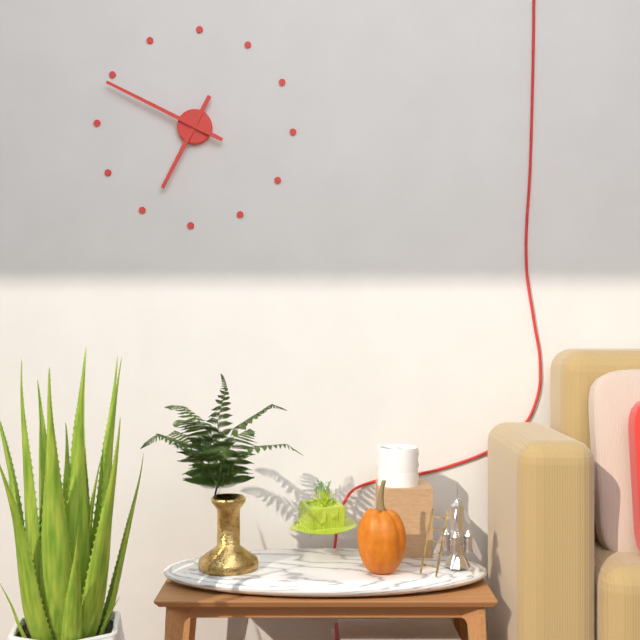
6:49
